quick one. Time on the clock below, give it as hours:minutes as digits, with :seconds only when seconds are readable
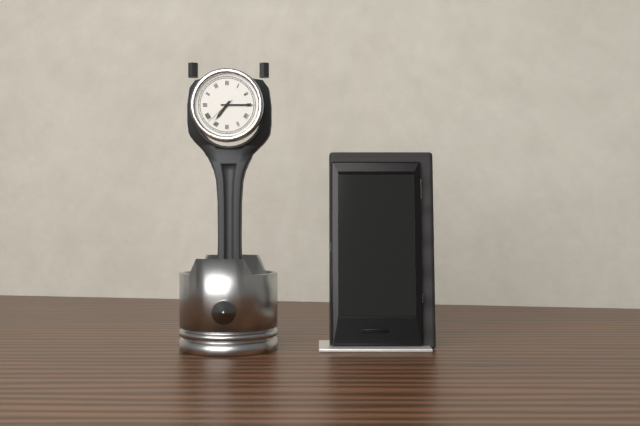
7:15
